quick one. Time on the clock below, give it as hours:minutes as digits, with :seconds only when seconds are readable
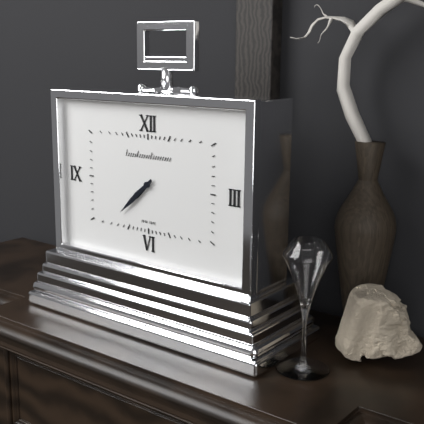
7:38
